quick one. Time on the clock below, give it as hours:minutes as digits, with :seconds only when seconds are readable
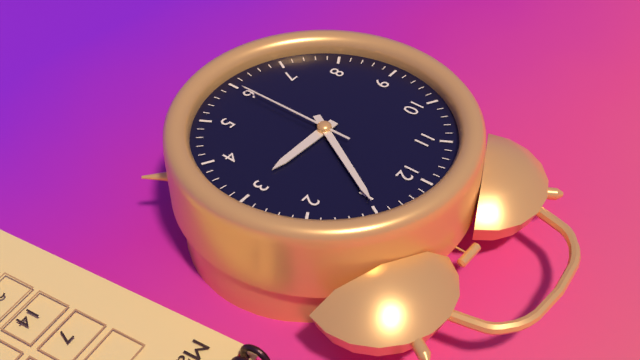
3:05:30
